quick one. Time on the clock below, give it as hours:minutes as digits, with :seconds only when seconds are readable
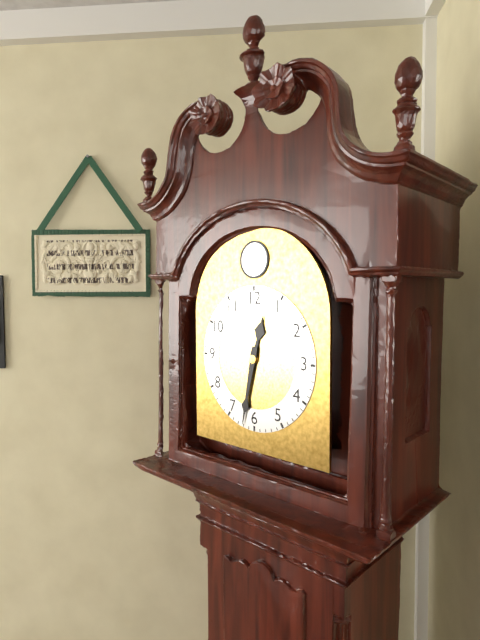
12:32
